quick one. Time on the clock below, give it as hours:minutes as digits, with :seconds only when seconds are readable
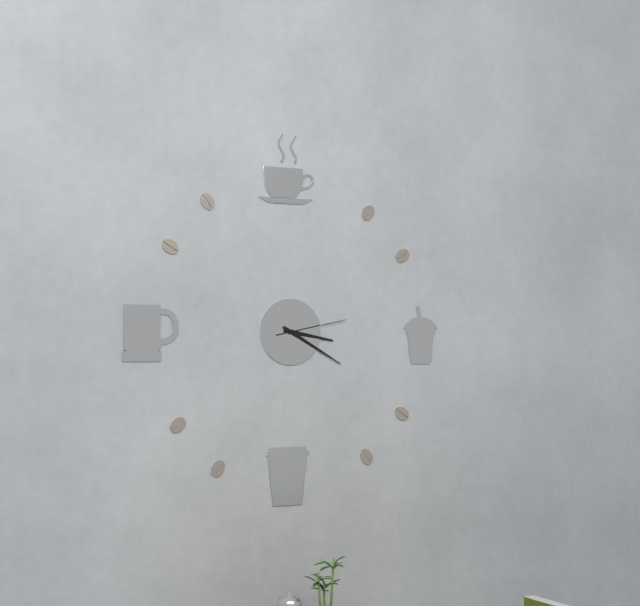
3:20:13
